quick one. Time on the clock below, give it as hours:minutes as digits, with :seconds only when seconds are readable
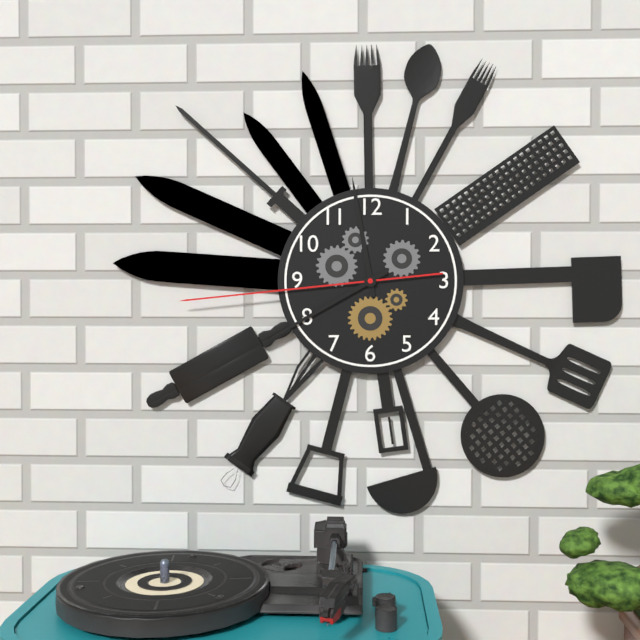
11:40:44
